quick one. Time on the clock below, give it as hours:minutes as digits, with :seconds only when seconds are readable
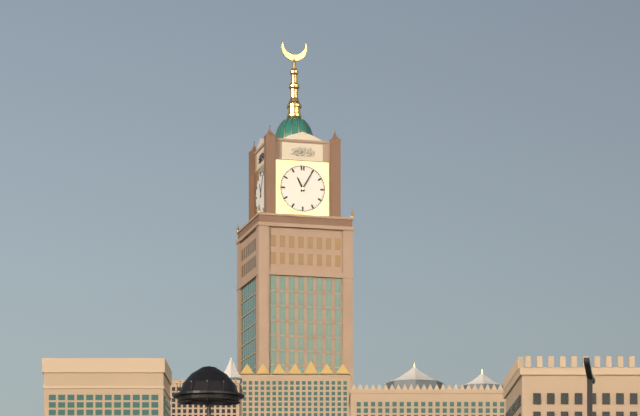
11:05
